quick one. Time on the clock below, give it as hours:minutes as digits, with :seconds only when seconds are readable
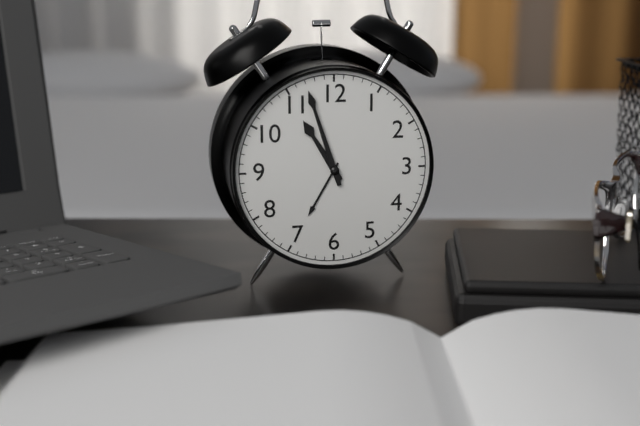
10:57
